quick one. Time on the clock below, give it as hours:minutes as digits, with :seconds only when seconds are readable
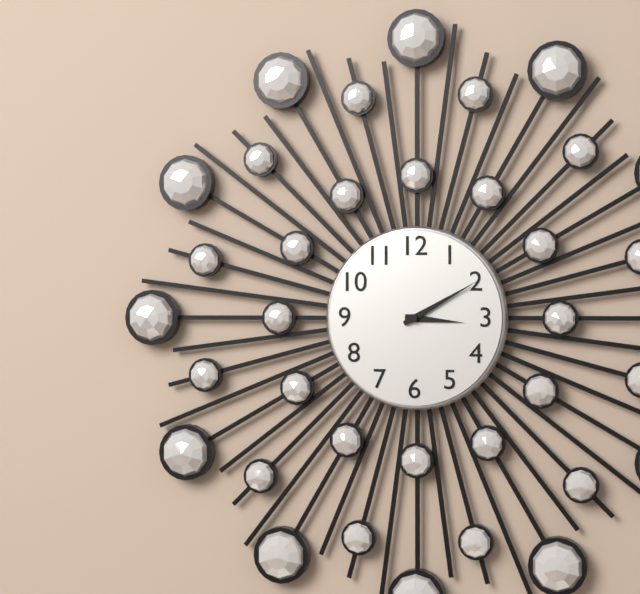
3:10
